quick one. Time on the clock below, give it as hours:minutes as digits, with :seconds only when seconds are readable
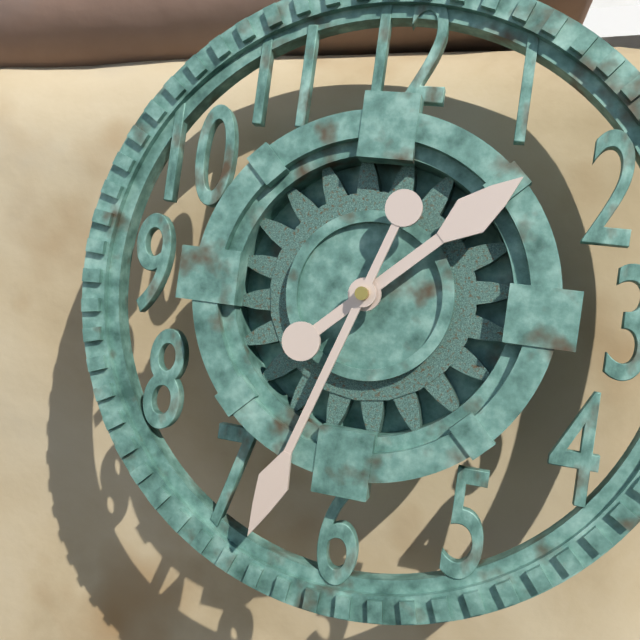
1:33
